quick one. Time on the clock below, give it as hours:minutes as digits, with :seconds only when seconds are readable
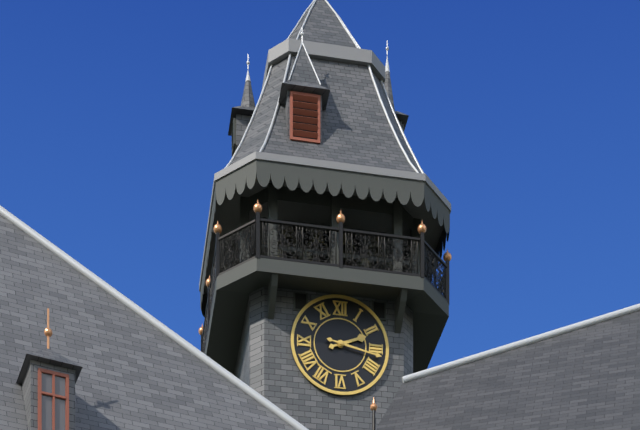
2:17
